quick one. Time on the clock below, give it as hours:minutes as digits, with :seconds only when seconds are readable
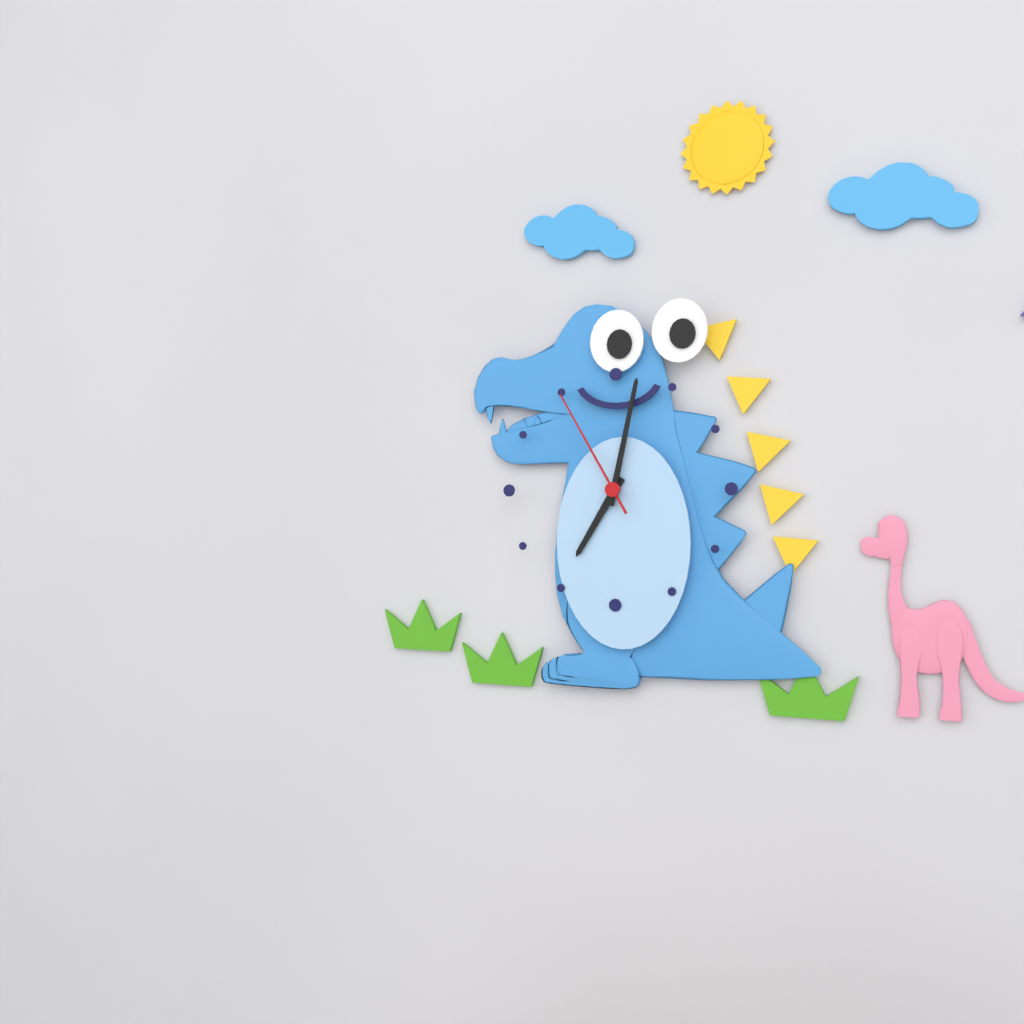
7:02:55
